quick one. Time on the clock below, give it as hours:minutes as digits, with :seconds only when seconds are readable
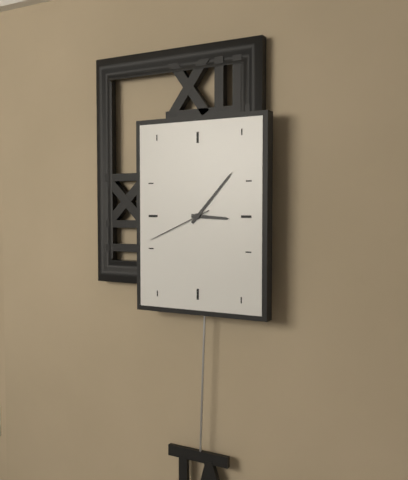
3:07:41
